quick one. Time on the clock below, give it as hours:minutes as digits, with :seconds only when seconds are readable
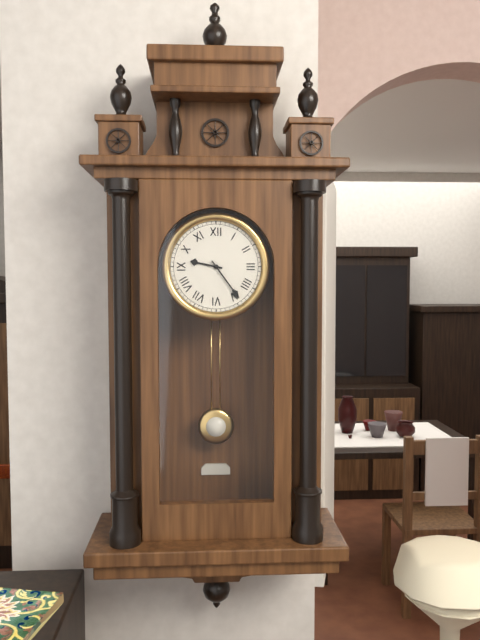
9:24
